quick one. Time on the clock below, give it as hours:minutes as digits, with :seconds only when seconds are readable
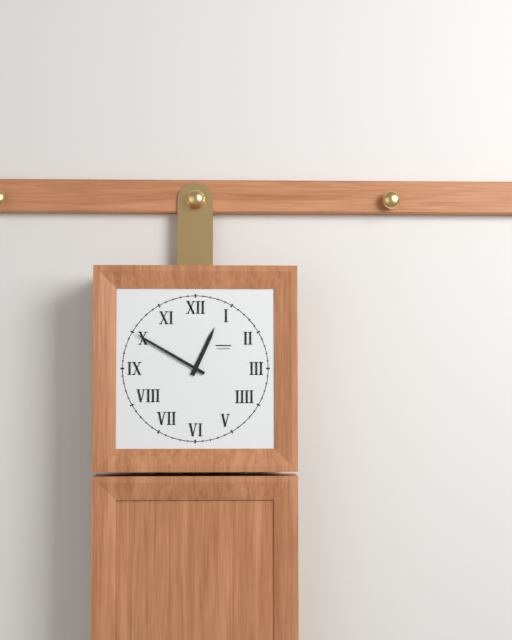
12:50
